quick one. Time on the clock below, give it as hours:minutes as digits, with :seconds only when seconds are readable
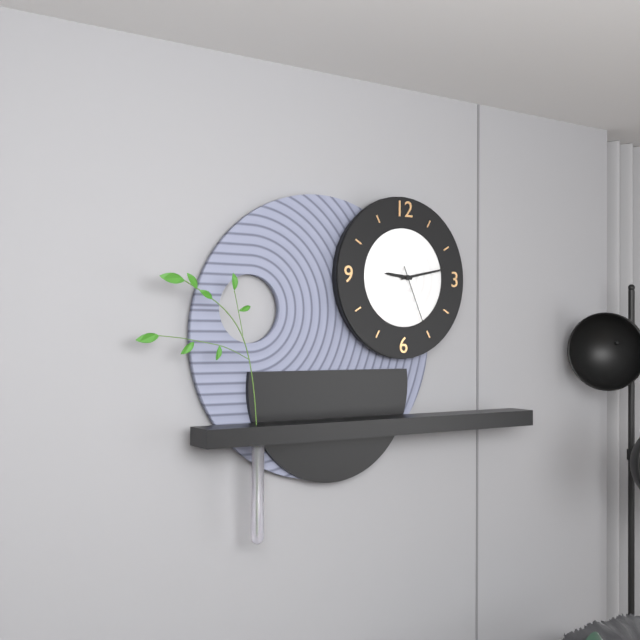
9:13:26
